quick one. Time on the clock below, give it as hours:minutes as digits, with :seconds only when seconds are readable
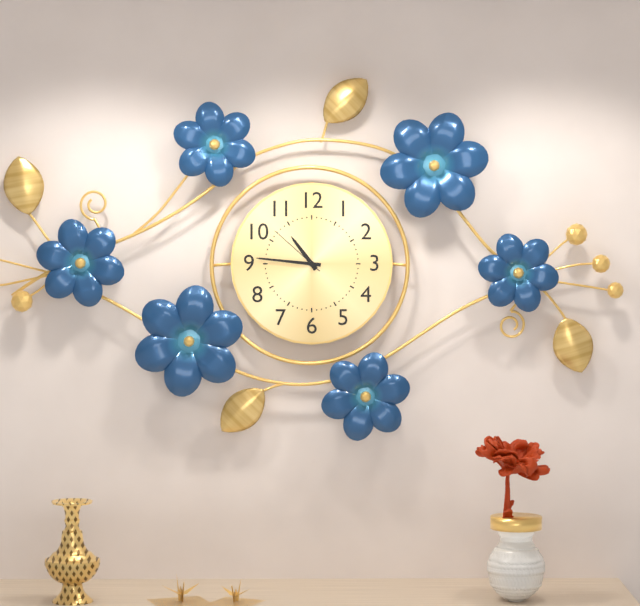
10:46:52
